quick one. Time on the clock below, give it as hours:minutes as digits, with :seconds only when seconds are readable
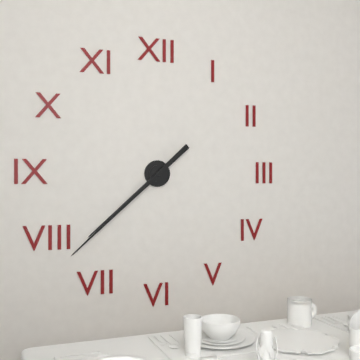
7:38
